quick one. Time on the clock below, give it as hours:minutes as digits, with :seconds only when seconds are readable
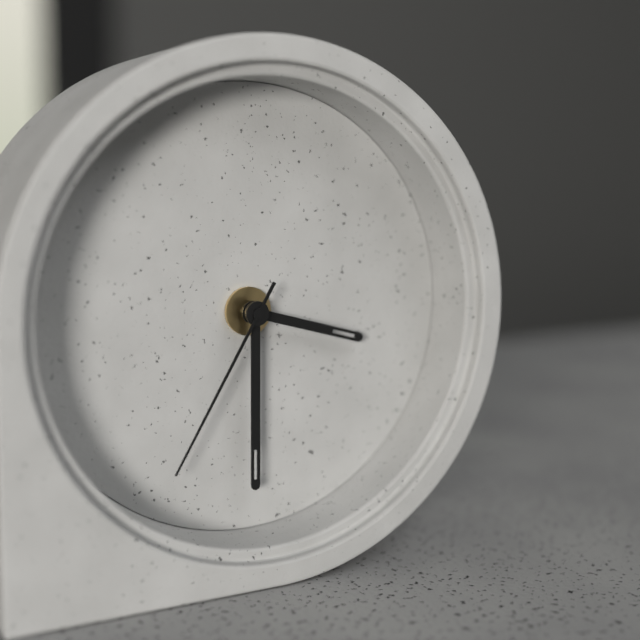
3:30:35
